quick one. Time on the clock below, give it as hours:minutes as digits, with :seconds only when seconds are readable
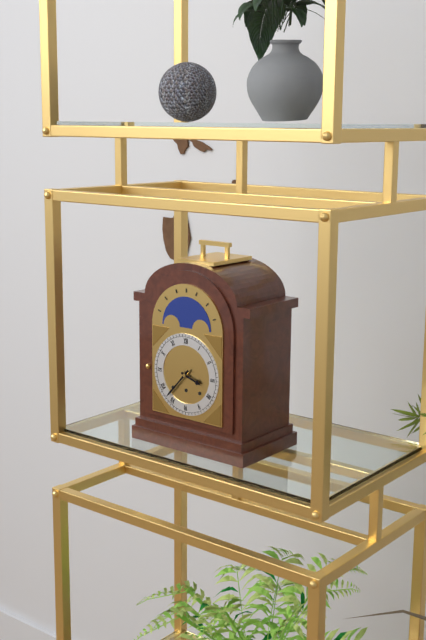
3:37
